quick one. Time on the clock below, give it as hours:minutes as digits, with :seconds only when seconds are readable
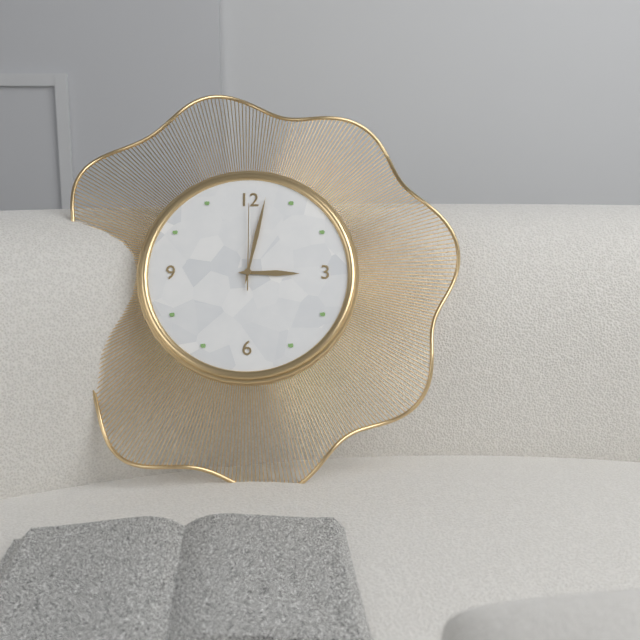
3:02:00
